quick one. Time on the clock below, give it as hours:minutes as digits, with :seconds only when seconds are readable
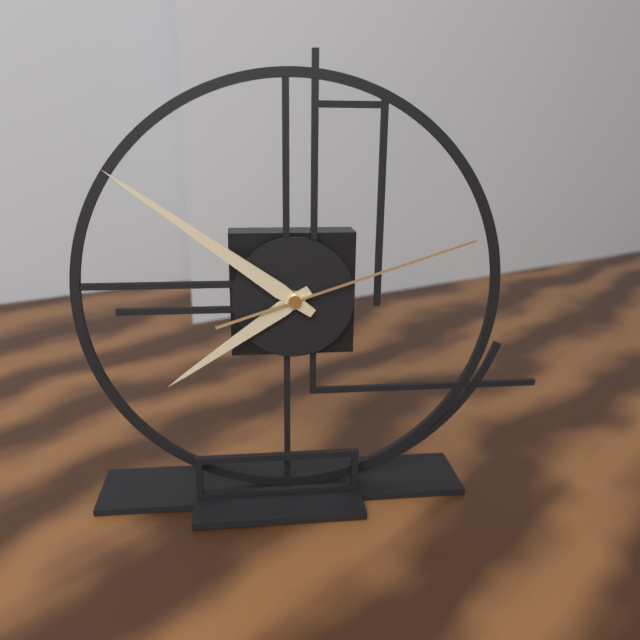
7:51:12
